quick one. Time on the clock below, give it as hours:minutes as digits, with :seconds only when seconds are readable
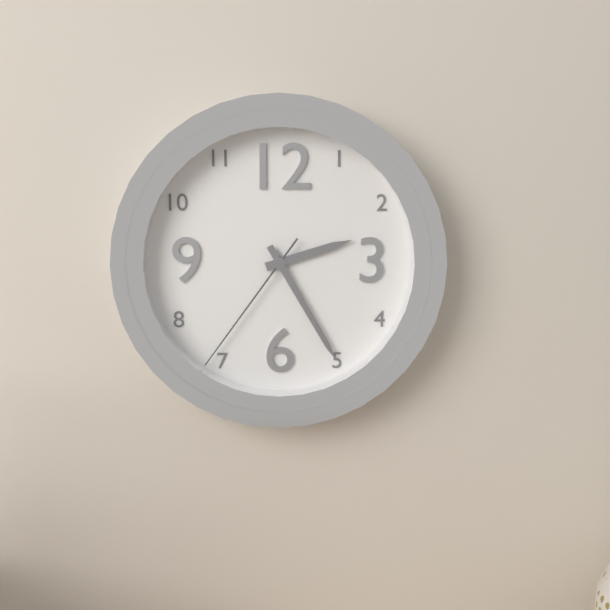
2:25:36
